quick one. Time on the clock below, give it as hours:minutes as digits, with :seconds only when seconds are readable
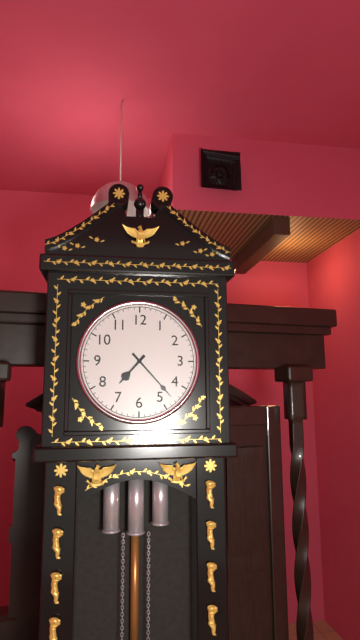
7:23
